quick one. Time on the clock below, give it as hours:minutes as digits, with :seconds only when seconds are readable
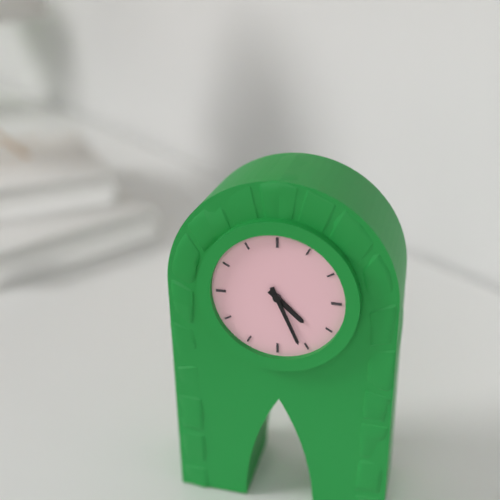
4:26
